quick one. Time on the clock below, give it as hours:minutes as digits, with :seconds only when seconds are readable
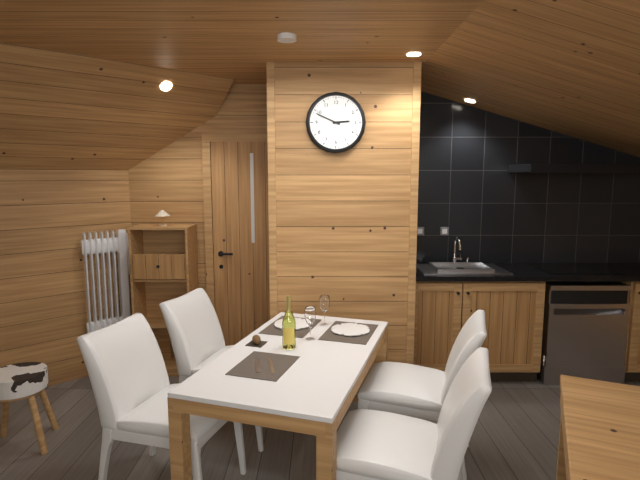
2:49
